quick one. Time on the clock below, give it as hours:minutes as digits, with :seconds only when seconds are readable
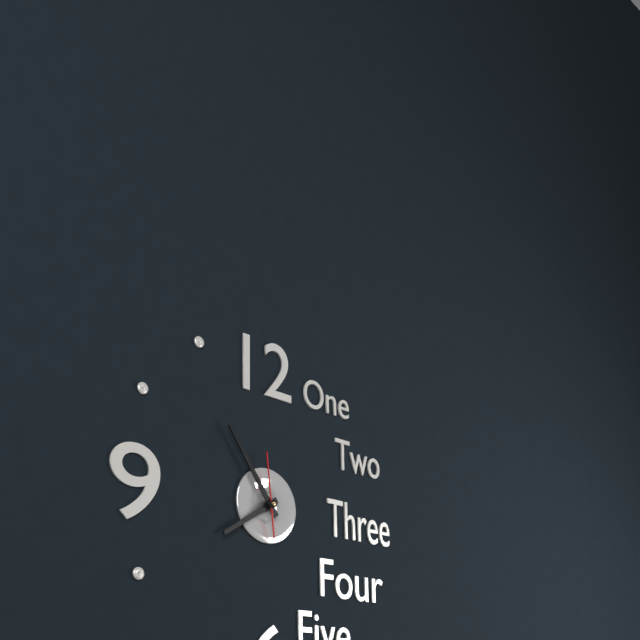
7:54:59
